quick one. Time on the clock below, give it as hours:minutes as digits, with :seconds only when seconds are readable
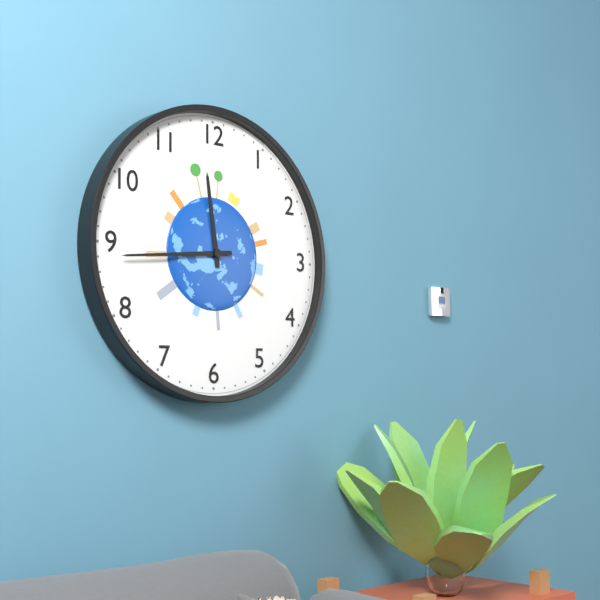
11:44
